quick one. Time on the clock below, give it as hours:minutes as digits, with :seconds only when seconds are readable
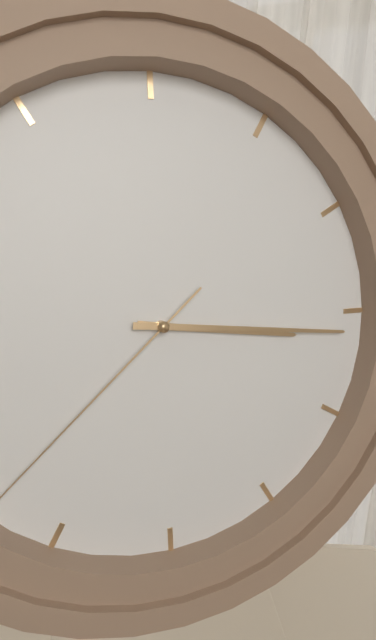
3:16
